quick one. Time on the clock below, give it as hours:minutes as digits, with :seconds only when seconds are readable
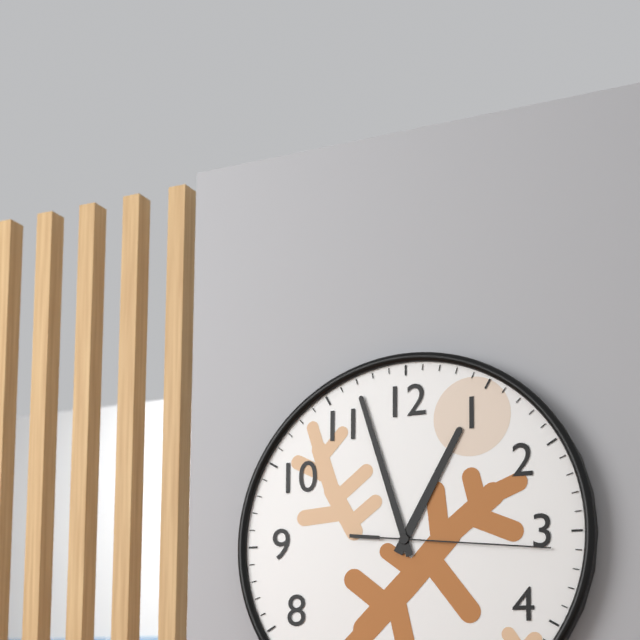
12:57:16
